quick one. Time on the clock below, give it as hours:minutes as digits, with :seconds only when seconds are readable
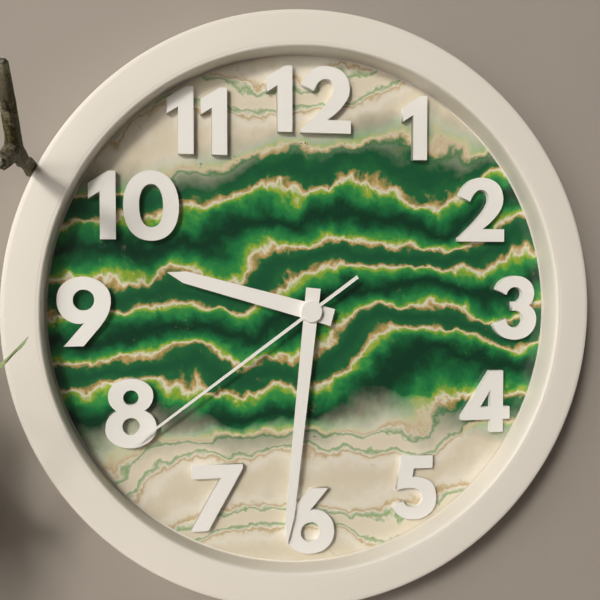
9:31:39
